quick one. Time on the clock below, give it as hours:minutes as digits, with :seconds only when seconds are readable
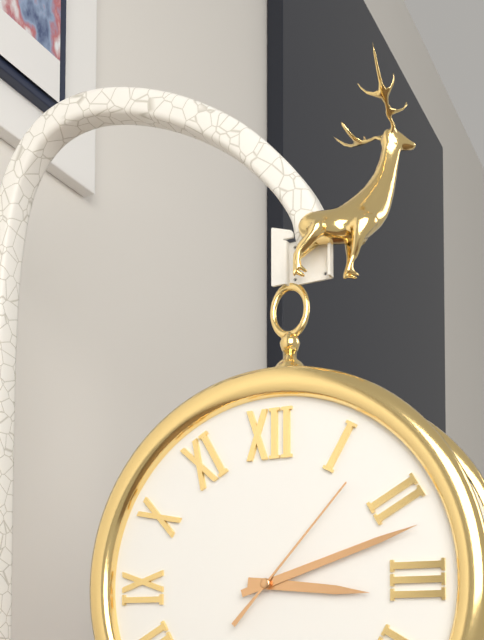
3:12:07
